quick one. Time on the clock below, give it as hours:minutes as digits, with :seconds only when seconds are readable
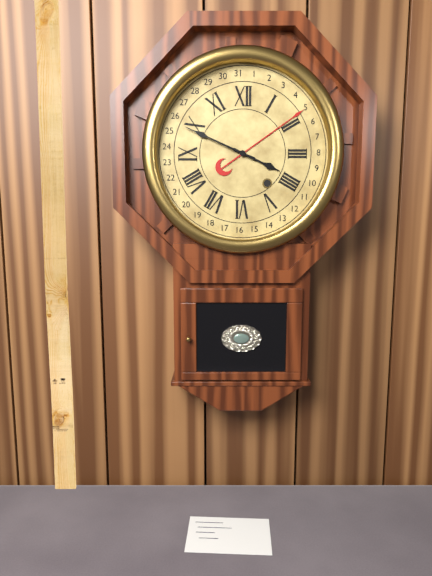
3:49
